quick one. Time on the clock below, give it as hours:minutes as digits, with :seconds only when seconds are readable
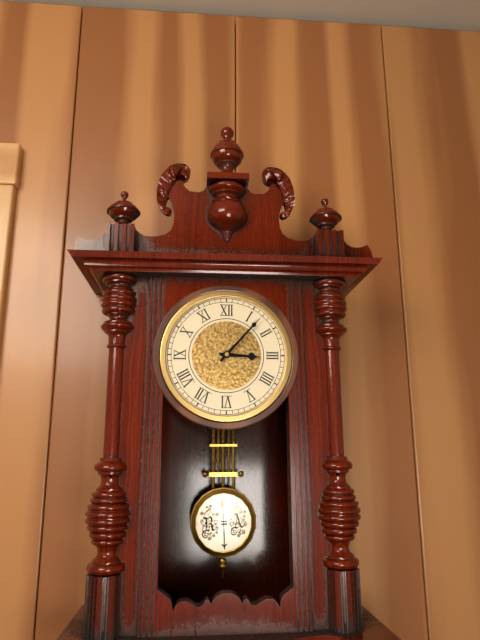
3:07
